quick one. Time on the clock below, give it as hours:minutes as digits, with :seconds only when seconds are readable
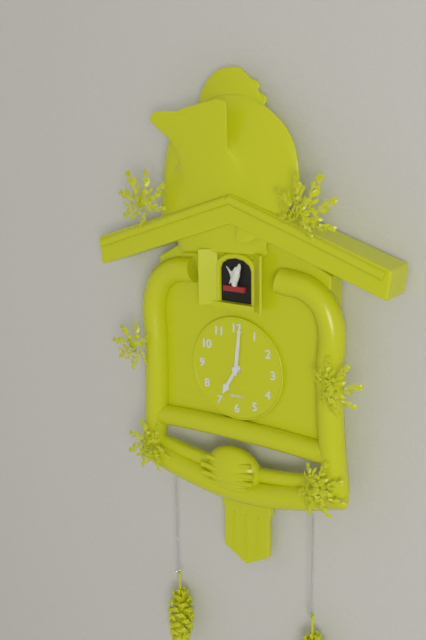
7:01
